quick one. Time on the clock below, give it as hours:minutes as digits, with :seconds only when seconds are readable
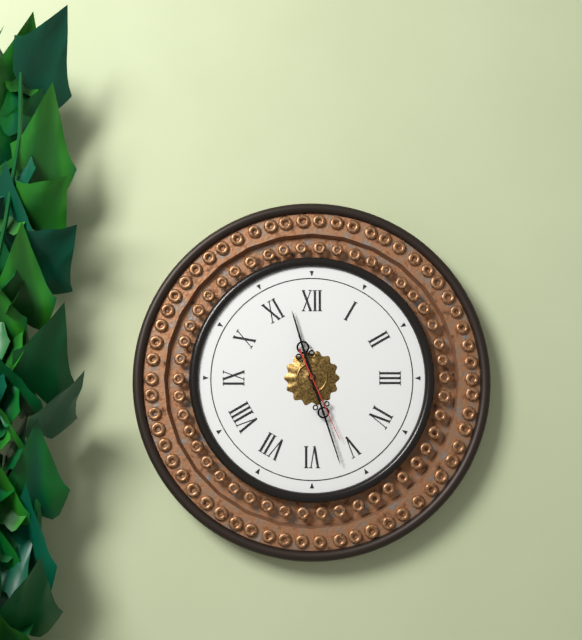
11:27:26
